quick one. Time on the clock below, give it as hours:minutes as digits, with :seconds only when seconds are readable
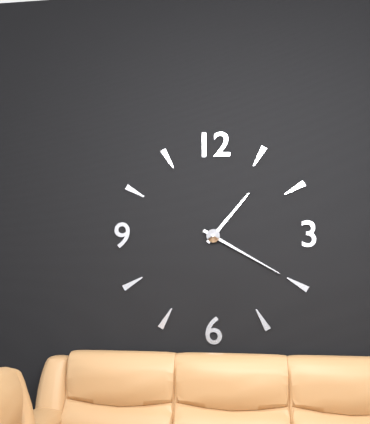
1:20
